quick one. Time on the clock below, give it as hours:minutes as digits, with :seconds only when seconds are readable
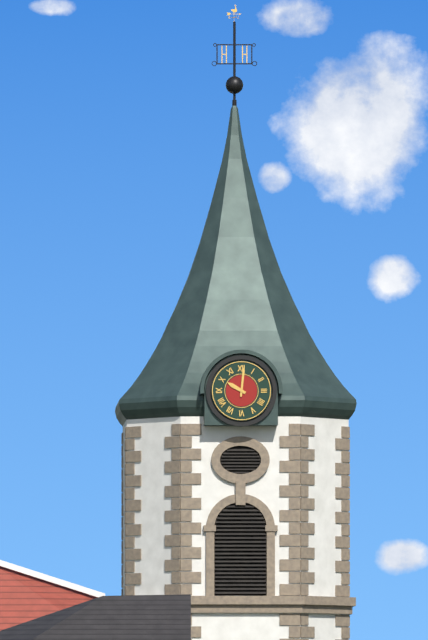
10:01
